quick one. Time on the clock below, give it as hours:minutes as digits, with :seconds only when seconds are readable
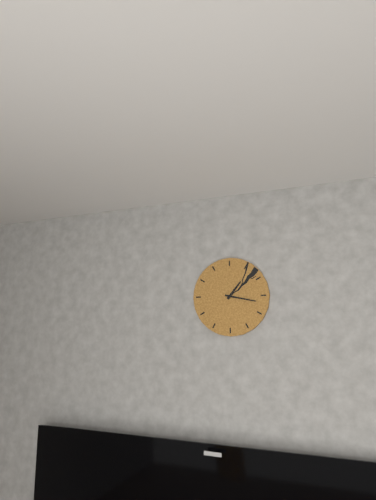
1:17
